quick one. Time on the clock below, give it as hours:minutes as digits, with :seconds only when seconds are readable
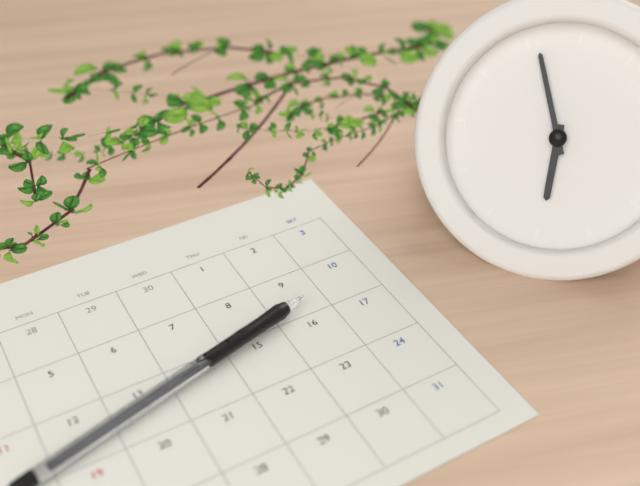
5:56
